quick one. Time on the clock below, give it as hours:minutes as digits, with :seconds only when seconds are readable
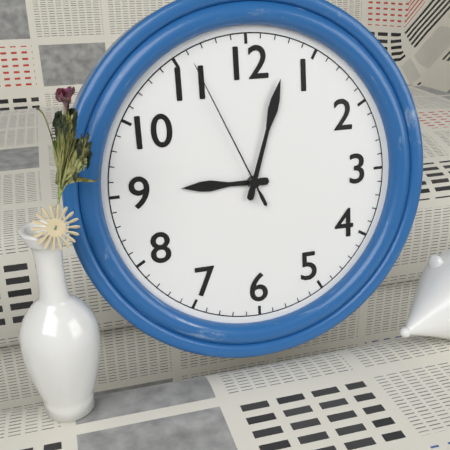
9:03:56
